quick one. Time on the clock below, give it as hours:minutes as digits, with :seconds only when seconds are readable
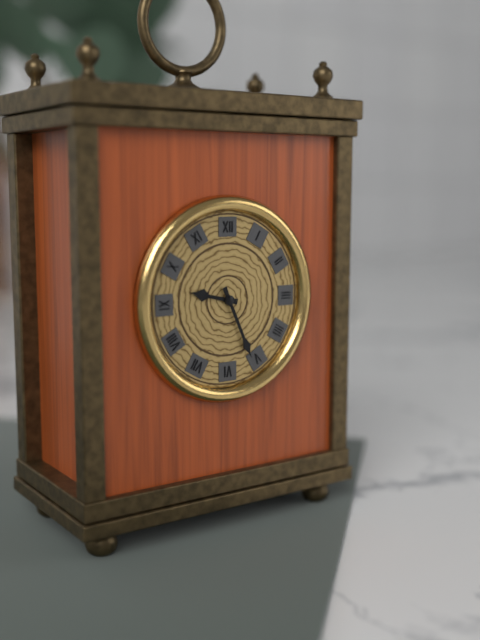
9:26
